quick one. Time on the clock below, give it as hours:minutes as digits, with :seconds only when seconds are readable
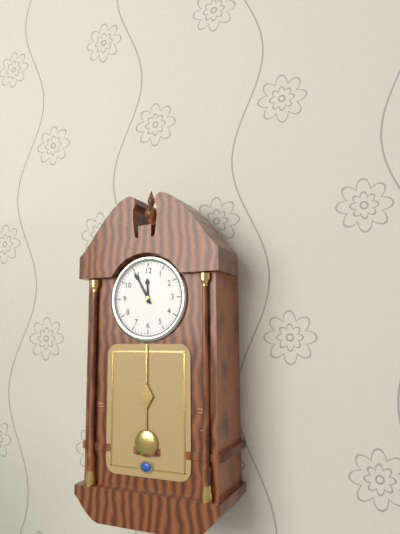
11:55
